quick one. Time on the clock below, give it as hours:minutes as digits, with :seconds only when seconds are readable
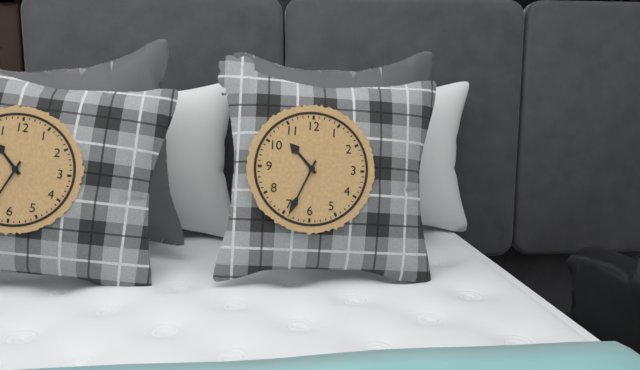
10:34
